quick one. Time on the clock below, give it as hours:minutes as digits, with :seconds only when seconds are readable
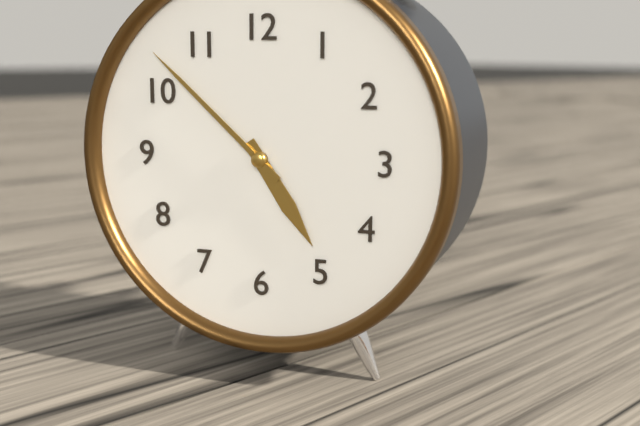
4:52
